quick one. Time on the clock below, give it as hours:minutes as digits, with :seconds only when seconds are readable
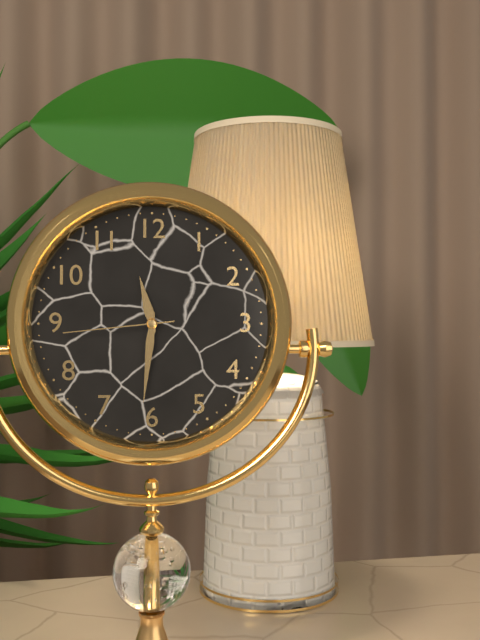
11:31:44
